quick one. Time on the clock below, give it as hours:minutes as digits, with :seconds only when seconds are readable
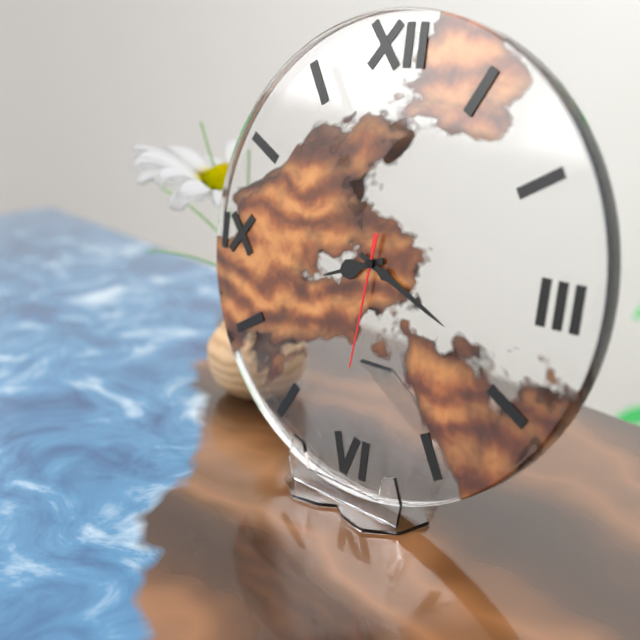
8:19:31
